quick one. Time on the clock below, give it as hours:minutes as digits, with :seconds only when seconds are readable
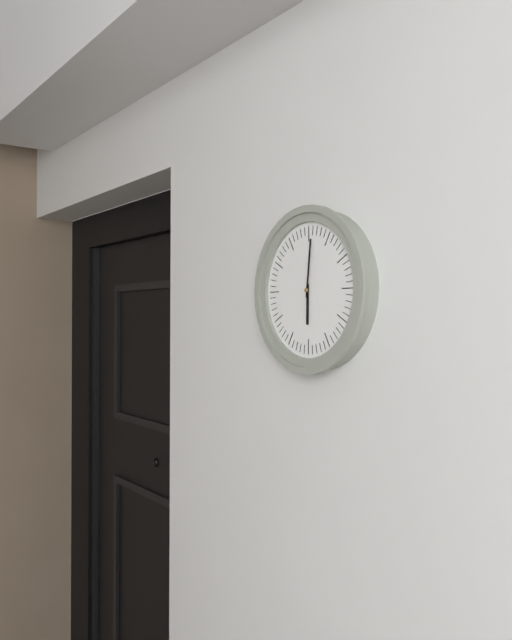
6:01
